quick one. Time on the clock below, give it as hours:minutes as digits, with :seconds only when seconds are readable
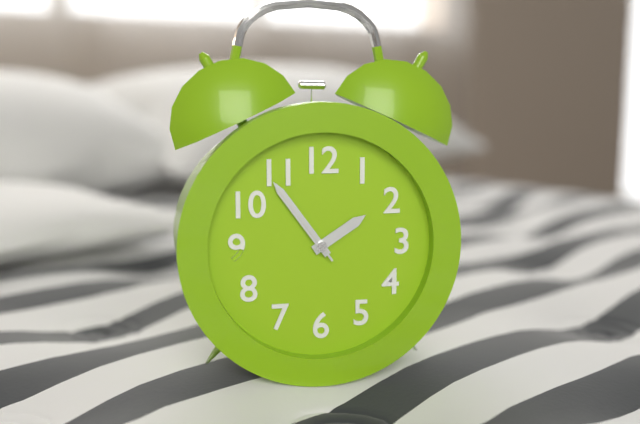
1:54:54
